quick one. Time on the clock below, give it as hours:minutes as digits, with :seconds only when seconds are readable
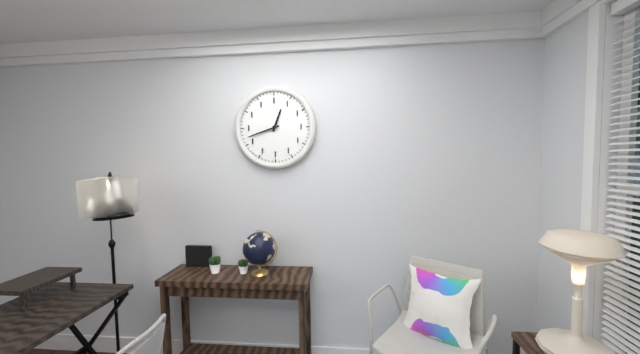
12:42
